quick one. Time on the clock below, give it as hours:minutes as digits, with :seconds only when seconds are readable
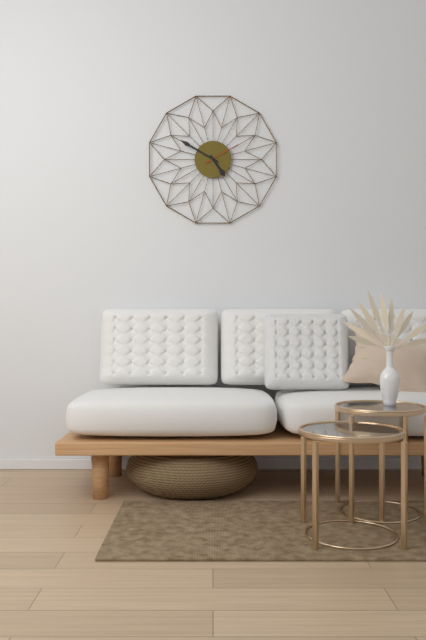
4:50
